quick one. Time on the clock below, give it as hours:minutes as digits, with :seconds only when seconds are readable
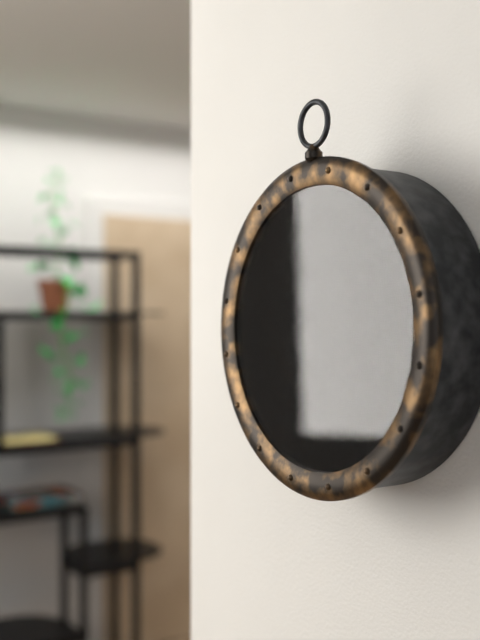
12:23
